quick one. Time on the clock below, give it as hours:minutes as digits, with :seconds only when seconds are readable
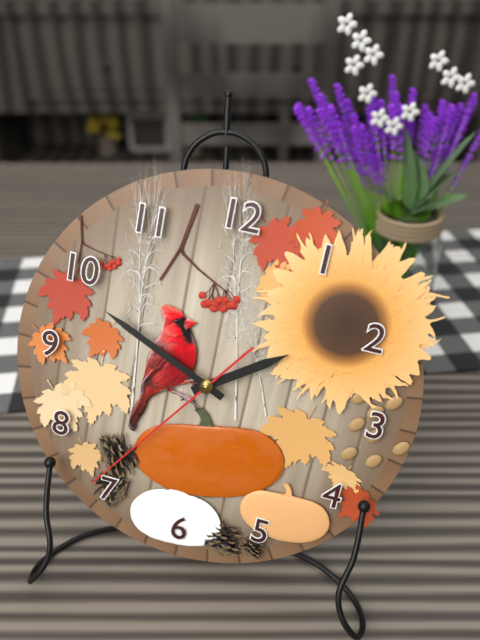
1:49:36
